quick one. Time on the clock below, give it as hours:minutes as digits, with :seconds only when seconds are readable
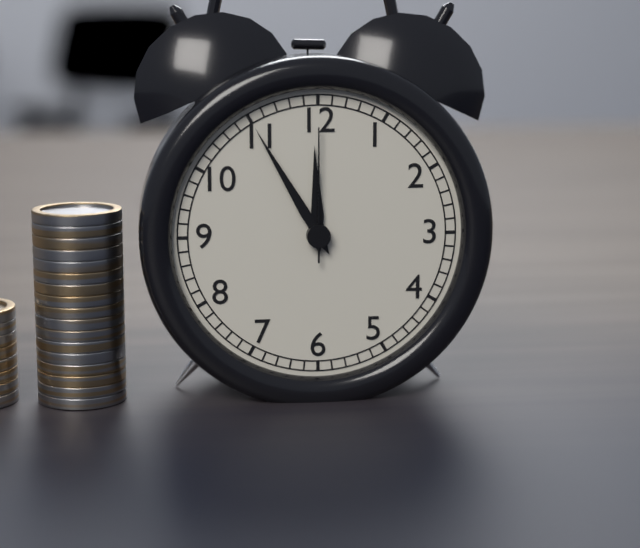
11:55:00
